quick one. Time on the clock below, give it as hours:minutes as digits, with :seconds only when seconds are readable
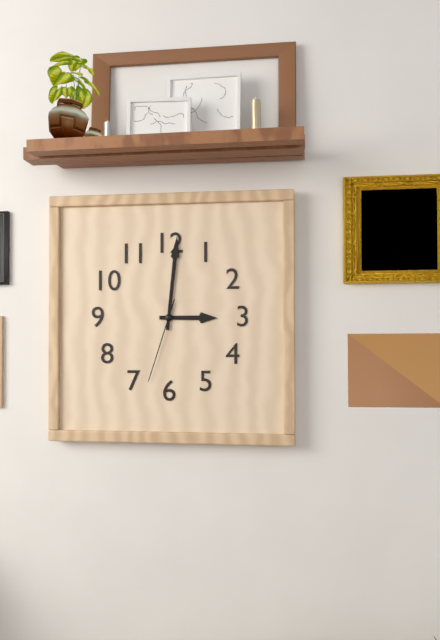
3:01:33
